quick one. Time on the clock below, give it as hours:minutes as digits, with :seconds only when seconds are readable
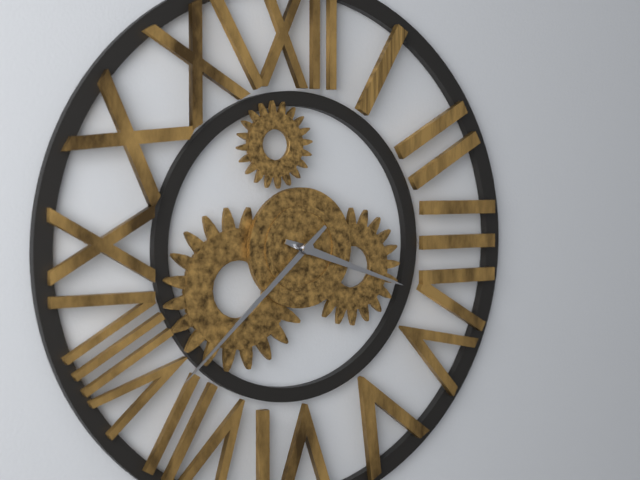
3:38
